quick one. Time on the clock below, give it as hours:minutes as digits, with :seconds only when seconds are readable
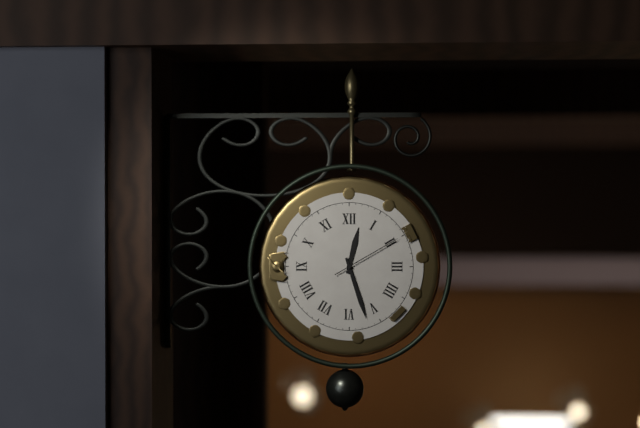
12:27:10
